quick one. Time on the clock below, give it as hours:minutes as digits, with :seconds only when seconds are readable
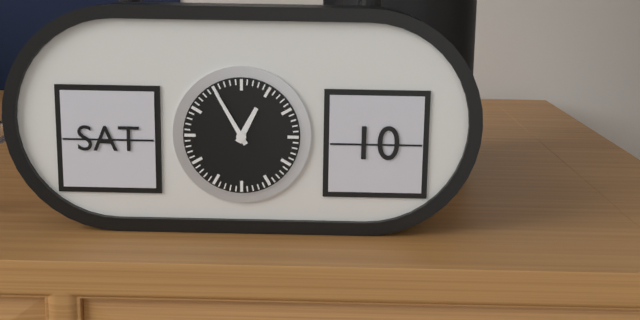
12:55
